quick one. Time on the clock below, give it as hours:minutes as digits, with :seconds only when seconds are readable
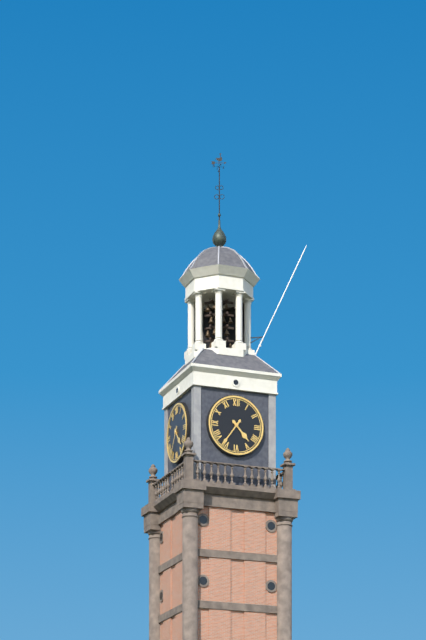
4:36
